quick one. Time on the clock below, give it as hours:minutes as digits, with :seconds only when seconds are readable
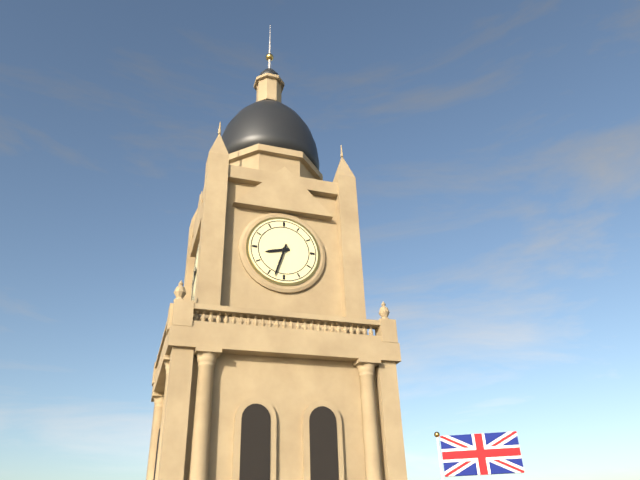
8:33
